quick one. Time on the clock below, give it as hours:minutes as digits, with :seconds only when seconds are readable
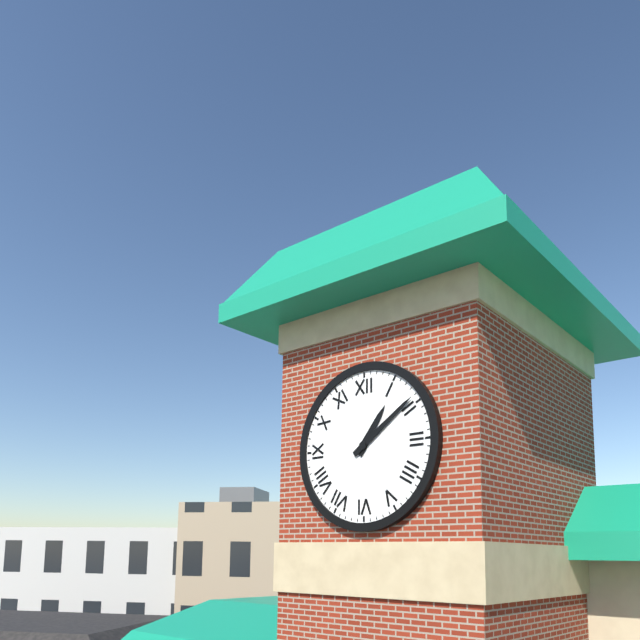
1:09
